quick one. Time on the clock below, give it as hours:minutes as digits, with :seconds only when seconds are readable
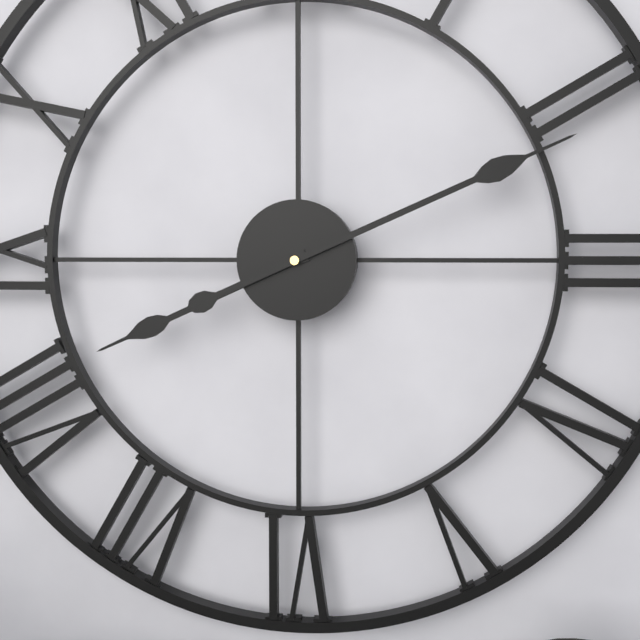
8:11
